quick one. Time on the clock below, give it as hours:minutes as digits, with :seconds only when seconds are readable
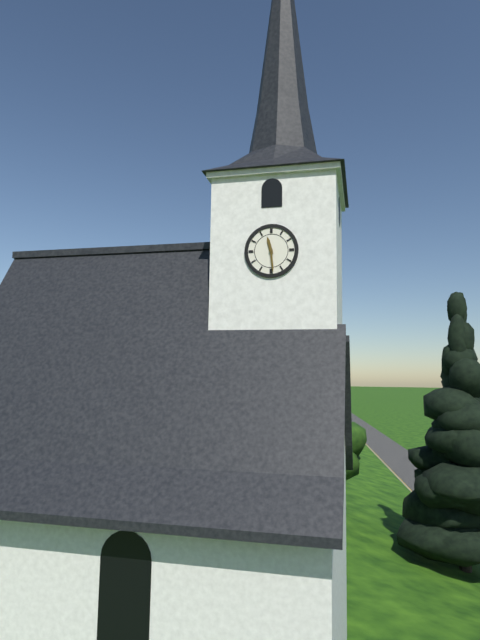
11:29
